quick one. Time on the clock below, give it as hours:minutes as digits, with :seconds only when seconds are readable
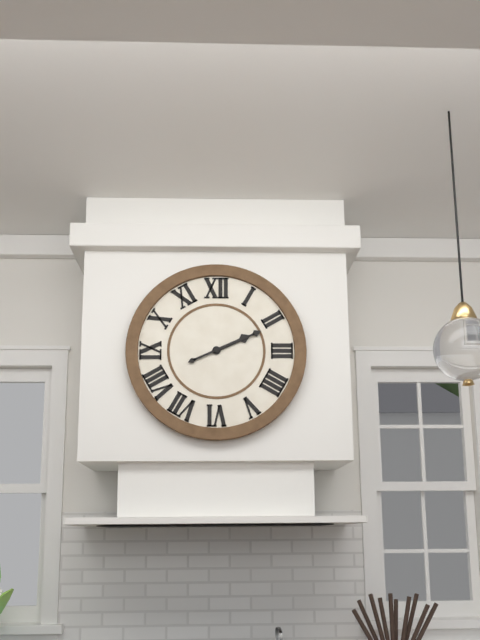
2:11
